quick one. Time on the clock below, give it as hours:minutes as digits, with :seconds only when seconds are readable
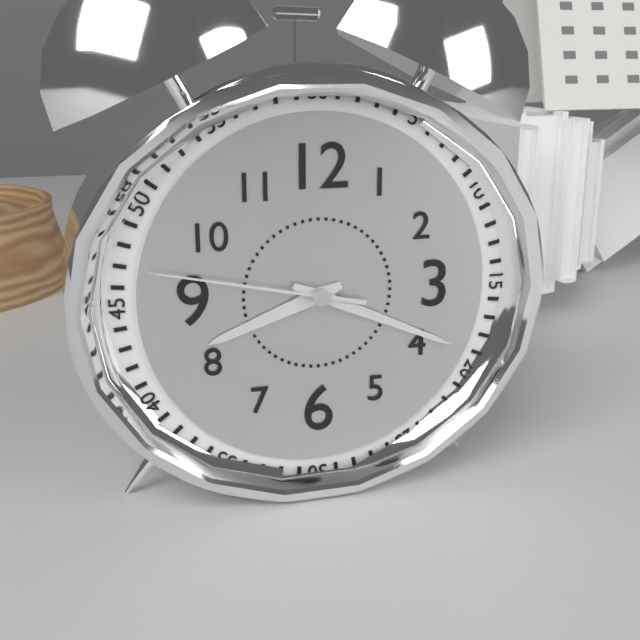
8:19:47
